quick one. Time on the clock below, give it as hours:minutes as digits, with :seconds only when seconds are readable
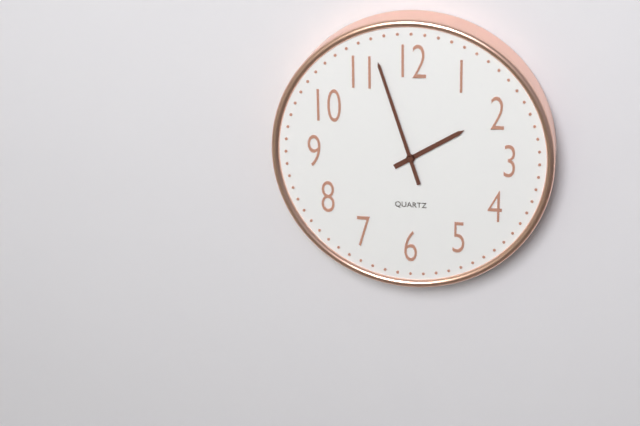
1:57
